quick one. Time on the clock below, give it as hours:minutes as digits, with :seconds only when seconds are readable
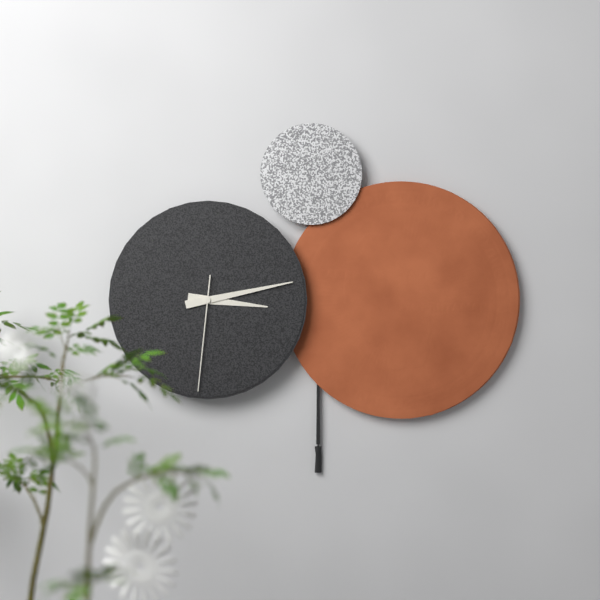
3:13:31
